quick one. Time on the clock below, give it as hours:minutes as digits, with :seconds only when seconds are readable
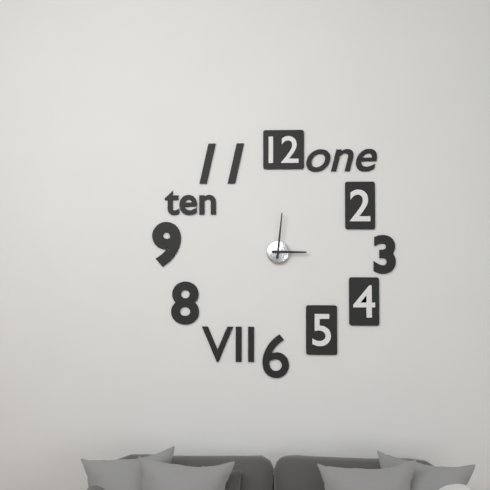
3:01
